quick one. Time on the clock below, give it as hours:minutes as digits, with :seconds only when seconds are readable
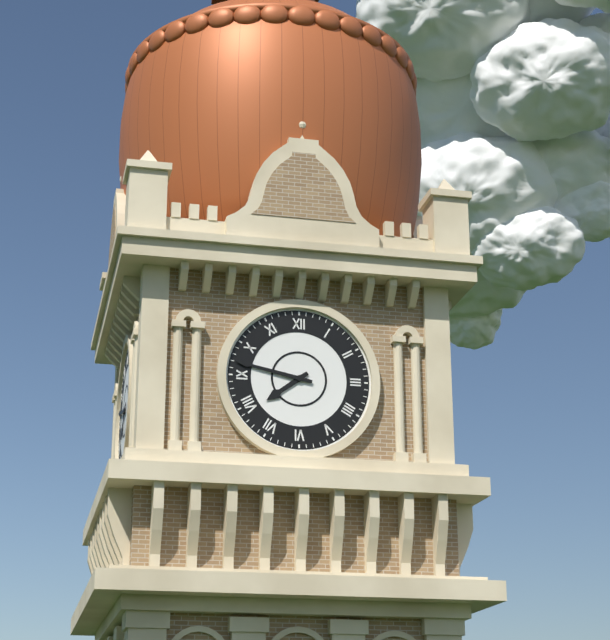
7:47
